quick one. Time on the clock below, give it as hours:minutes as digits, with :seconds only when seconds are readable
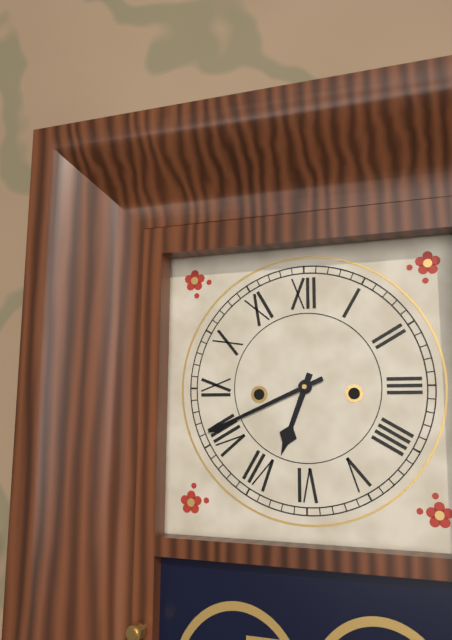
6:41
